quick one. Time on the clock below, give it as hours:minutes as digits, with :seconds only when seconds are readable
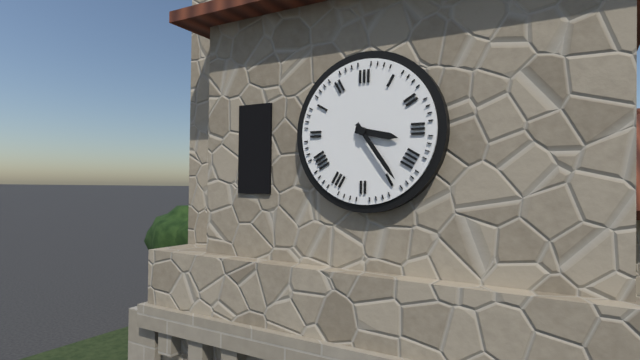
3:24
